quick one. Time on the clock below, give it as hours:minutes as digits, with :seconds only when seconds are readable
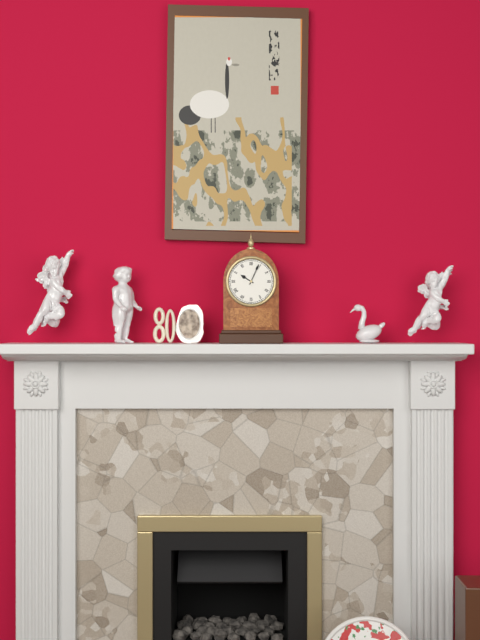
10:04
